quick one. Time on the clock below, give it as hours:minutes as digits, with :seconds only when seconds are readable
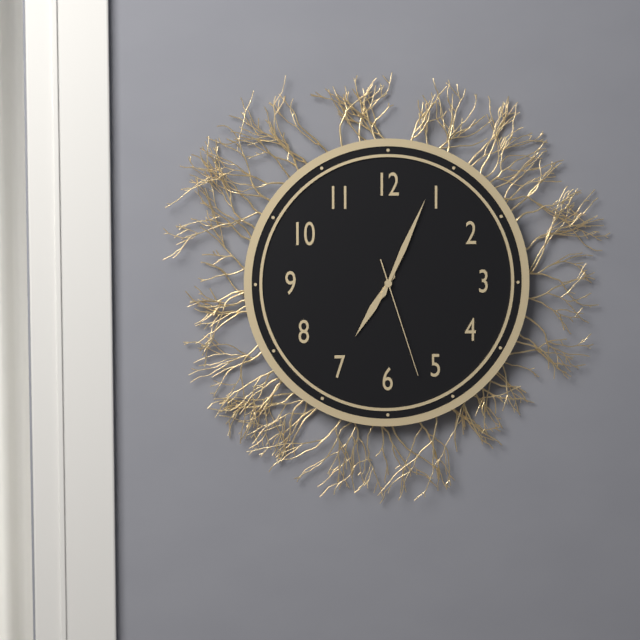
7:04:27
